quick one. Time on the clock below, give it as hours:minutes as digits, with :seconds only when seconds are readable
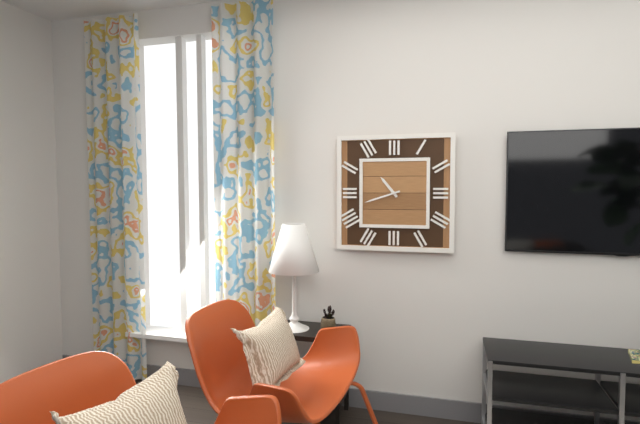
10:42
